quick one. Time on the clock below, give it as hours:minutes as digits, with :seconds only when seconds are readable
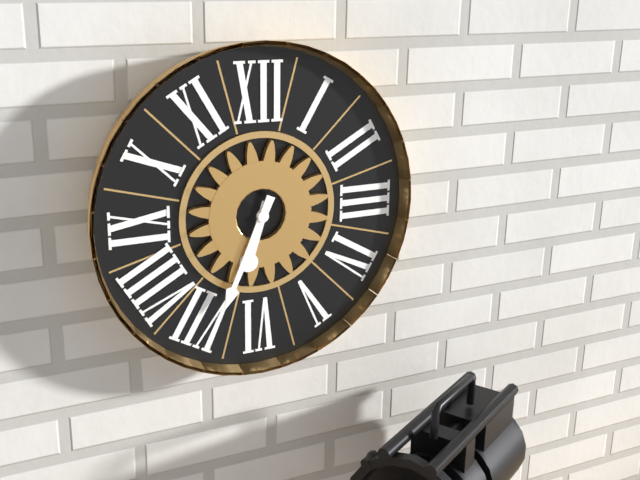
6:34
